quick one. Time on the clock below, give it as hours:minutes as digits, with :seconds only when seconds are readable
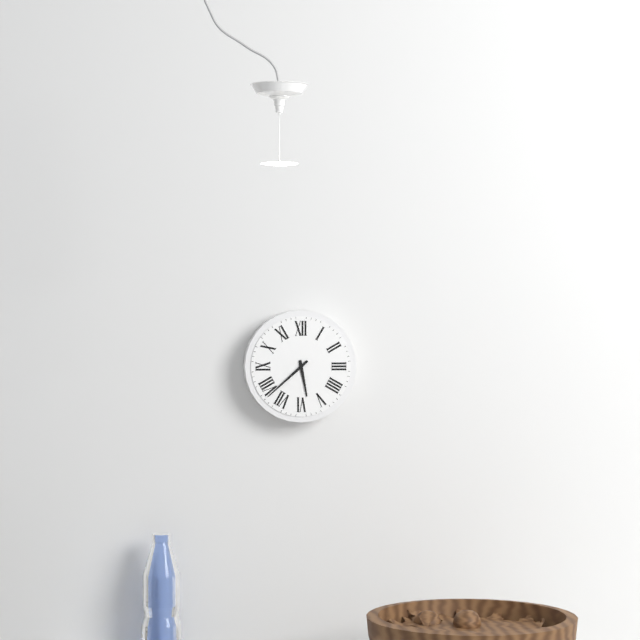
5:38
